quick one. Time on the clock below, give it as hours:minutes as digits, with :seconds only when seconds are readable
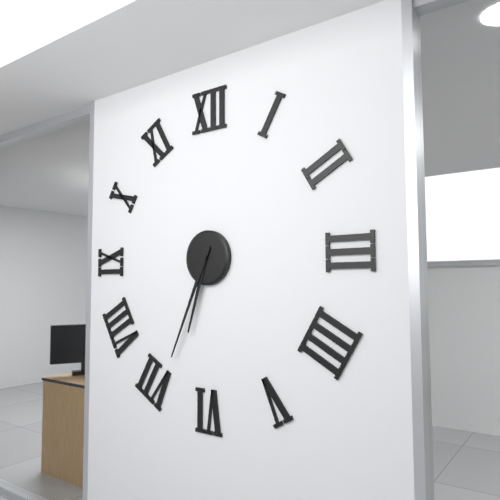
6:34
